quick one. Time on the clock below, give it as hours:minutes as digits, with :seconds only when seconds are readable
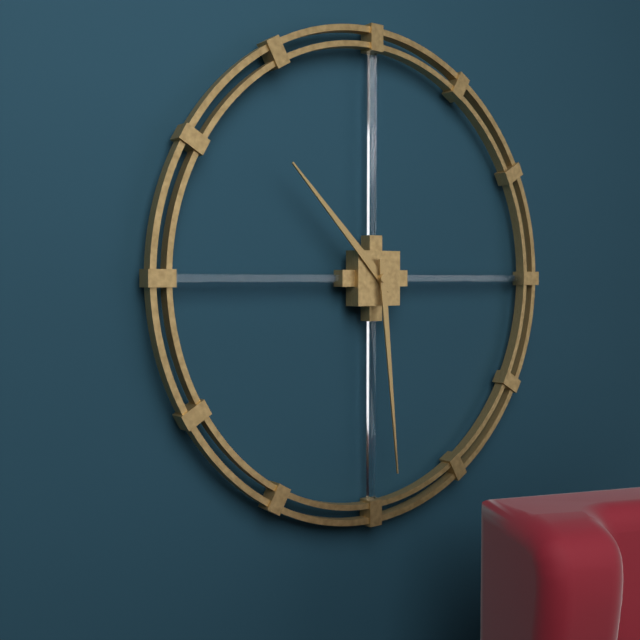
10:29
